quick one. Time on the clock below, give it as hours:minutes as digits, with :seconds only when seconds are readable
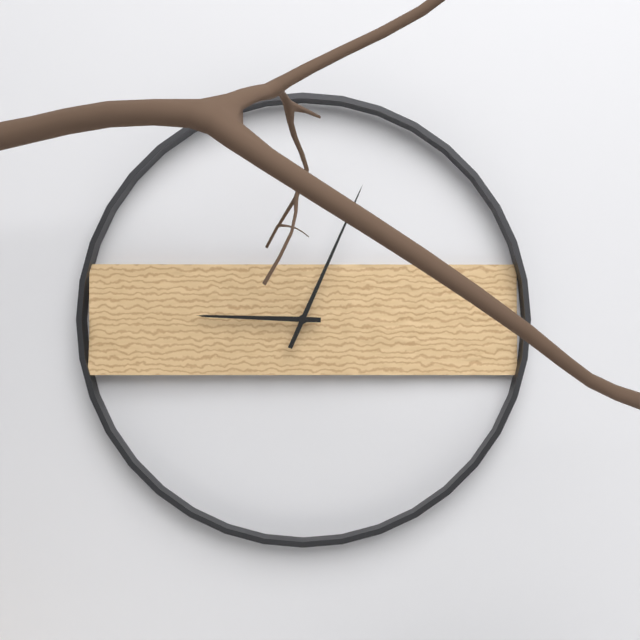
9:04
